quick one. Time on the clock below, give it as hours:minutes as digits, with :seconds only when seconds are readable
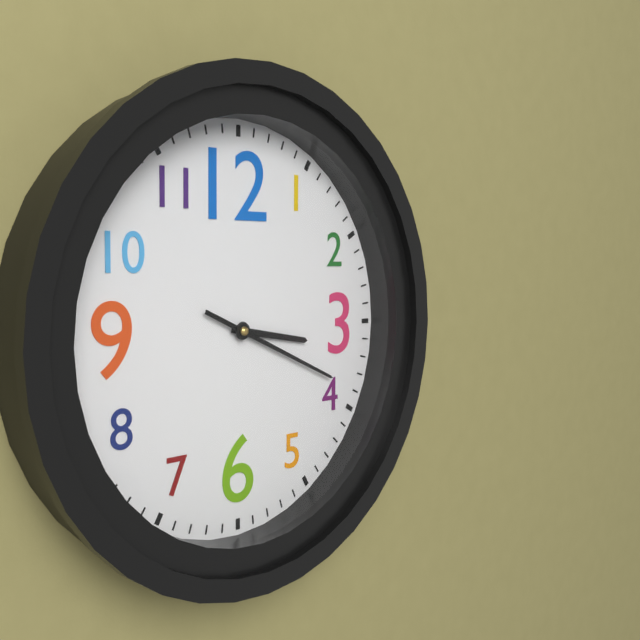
3:19
